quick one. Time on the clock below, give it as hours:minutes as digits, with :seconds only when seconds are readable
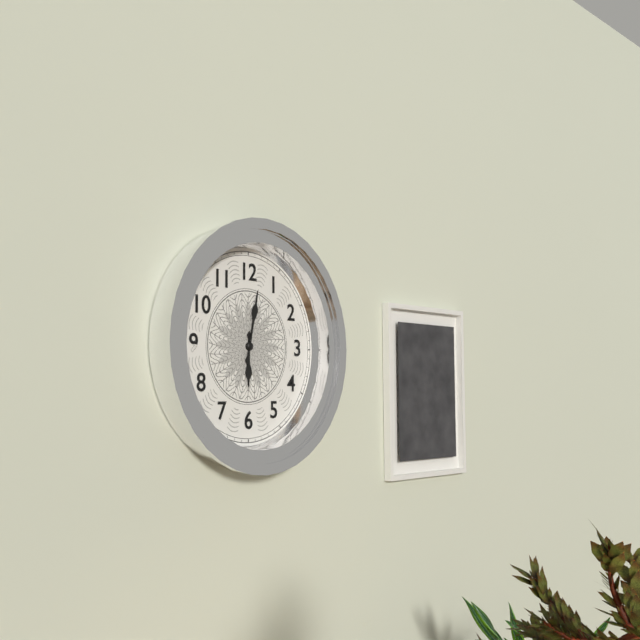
6:02
